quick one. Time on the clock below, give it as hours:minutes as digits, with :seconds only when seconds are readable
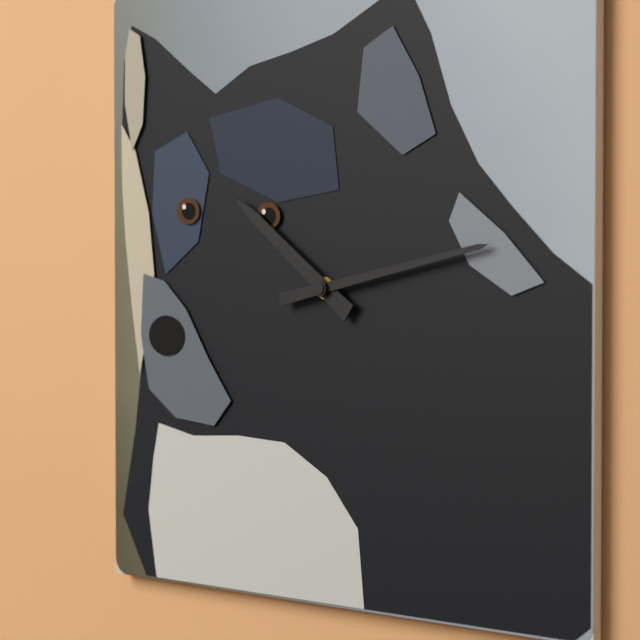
10:13
